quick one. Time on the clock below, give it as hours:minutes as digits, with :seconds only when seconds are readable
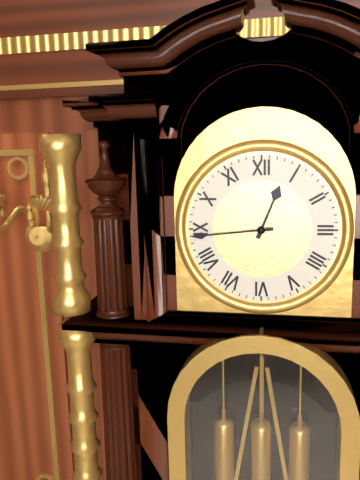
12:44
